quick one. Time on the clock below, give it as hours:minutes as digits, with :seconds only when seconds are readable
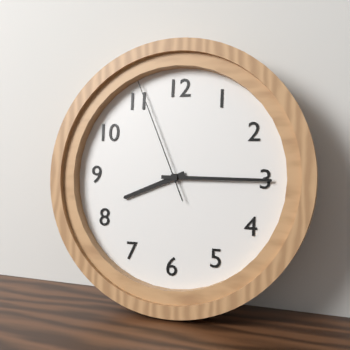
8:15:56
